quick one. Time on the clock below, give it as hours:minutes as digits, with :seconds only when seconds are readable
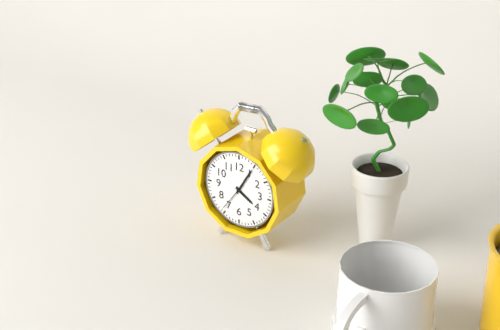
4:05
